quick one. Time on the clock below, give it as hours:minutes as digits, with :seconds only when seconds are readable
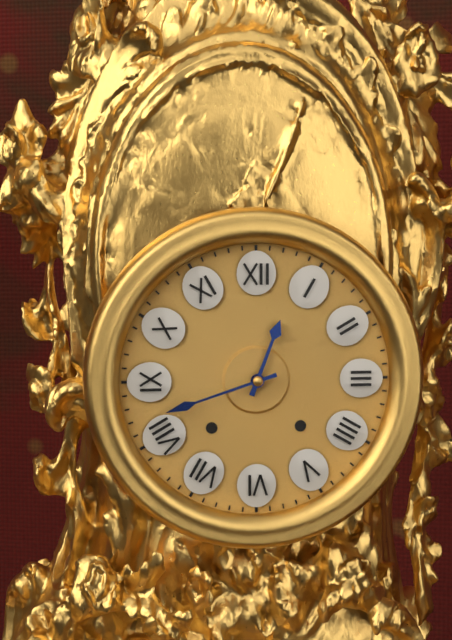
12:42
